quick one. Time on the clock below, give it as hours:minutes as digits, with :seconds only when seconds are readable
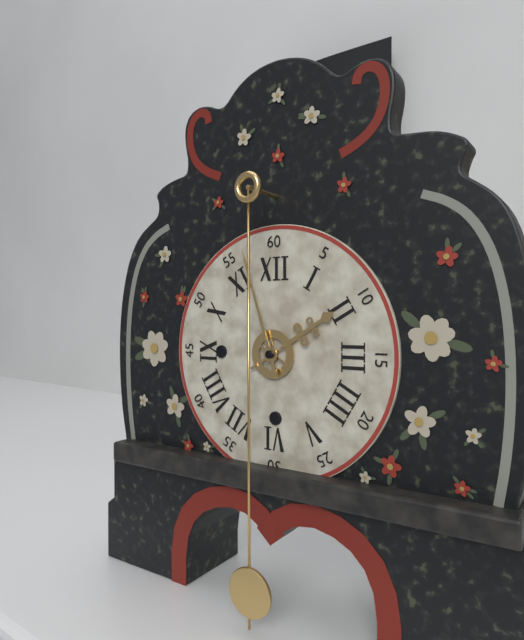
1:57
